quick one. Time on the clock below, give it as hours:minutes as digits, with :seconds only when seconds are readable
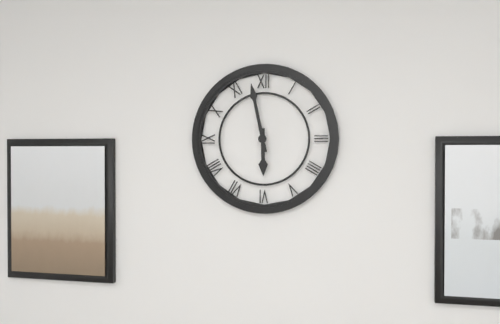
5:58
